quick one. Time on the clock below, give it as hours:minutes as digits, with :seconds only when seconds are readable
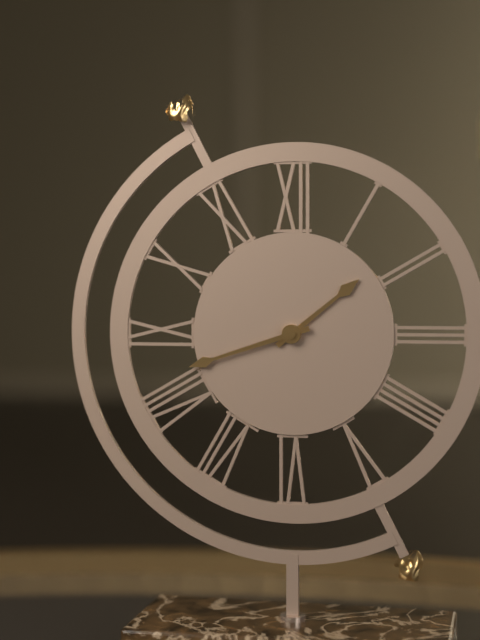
1:42
